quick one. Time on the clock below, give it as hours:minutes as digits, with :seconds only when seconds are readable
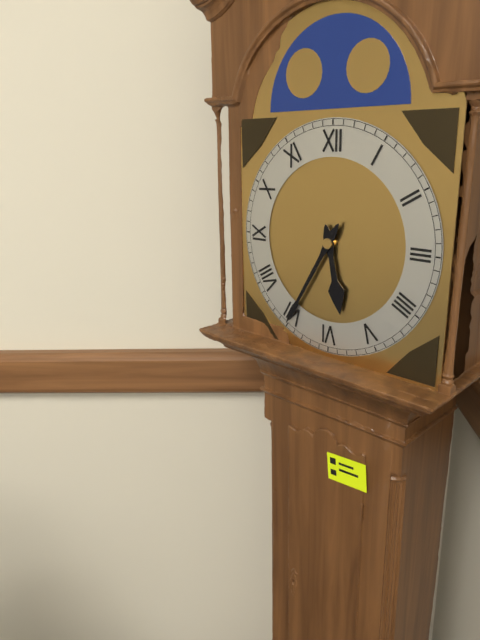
5:35
